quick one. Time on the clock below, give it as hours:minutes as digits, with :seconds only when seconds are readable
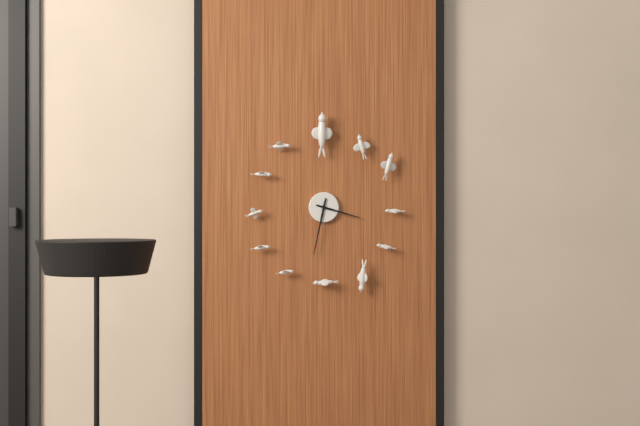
3:32
